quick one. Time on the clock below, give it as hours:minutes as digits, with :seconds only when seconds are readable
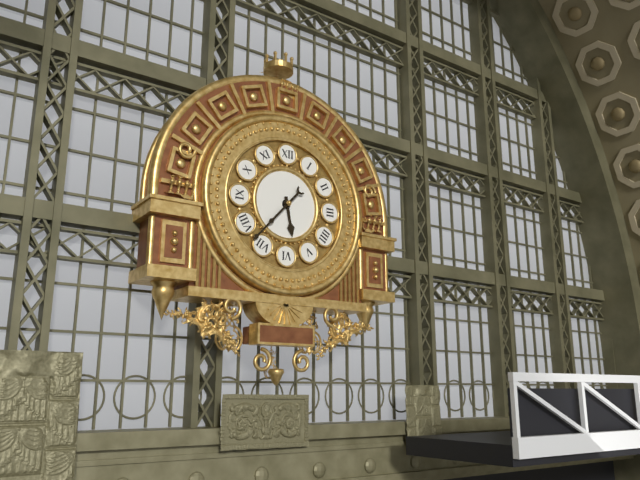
5:37
